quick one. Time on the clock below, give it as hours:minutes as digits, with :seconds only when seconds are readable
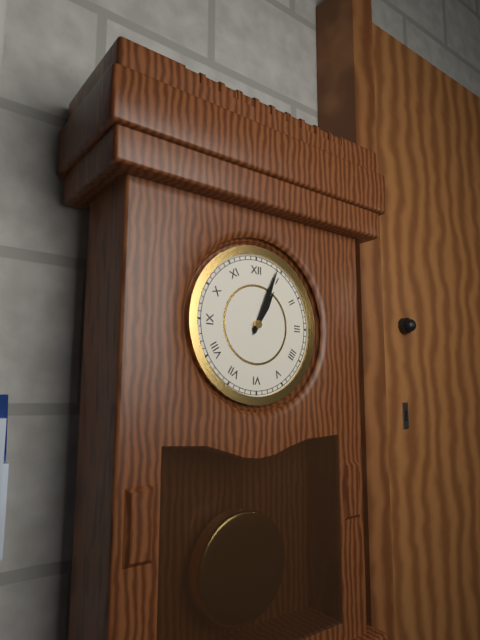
1:04
